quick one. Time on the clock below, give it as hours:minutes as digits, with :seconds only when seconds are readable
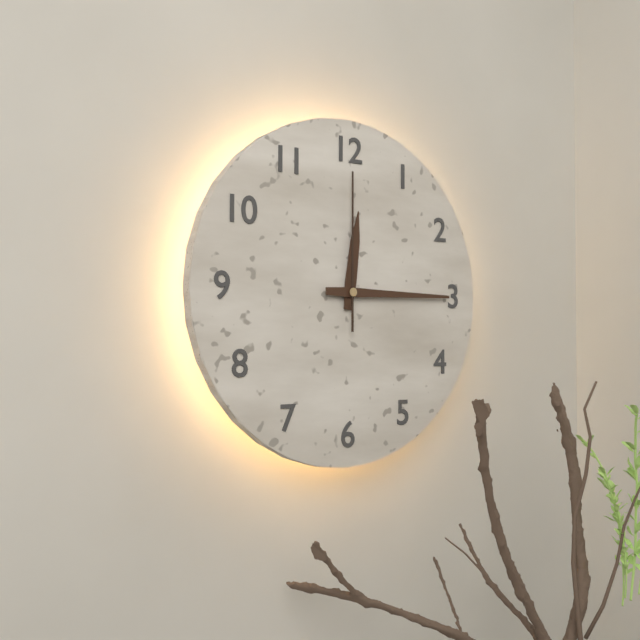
12:15:00
